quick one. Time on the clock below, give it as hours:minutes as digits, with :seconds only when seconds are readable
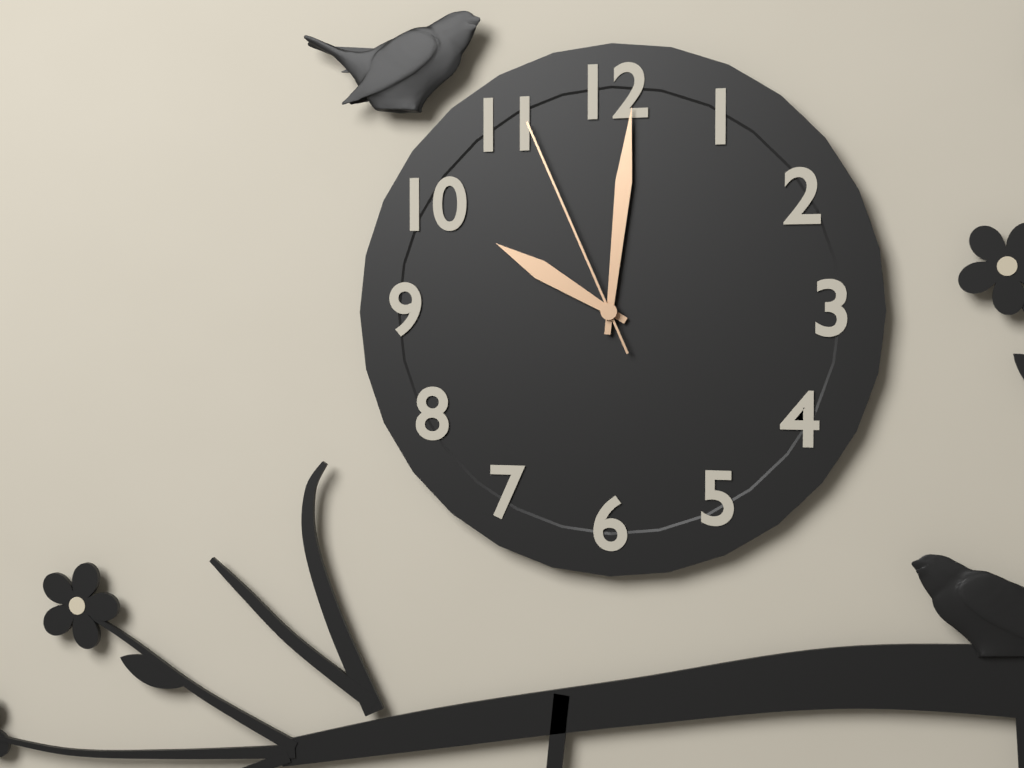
10:01:56
